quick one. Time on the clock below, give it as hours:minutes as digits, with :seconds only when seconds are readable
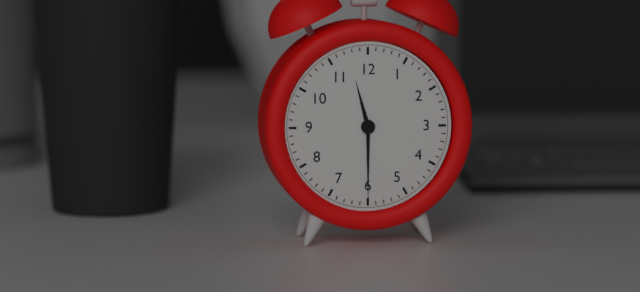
11:30
